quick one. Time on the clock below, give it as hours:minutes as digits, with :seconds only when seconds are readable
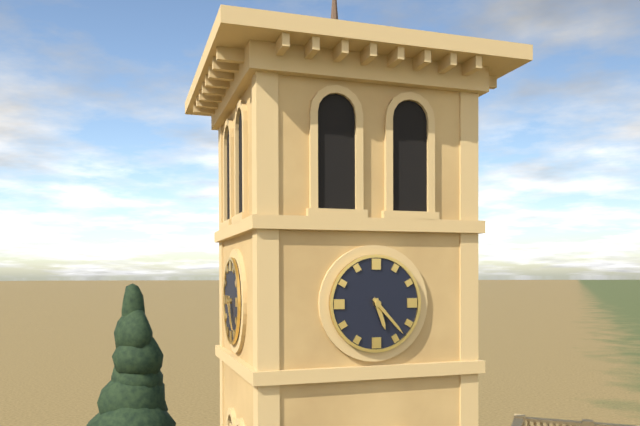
5:23
